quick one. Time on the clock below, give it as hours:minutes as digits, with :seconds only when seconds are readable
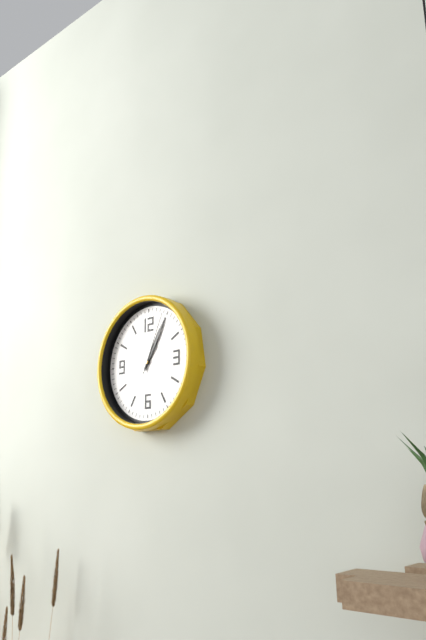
1:05:04
